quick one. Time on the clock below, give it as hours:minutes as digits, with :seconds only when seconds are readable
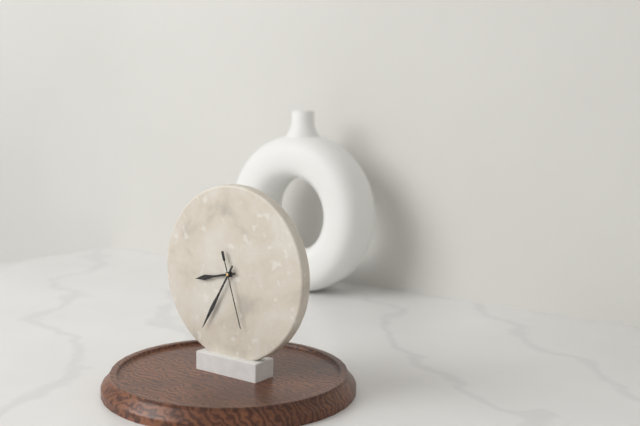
8:35:27
